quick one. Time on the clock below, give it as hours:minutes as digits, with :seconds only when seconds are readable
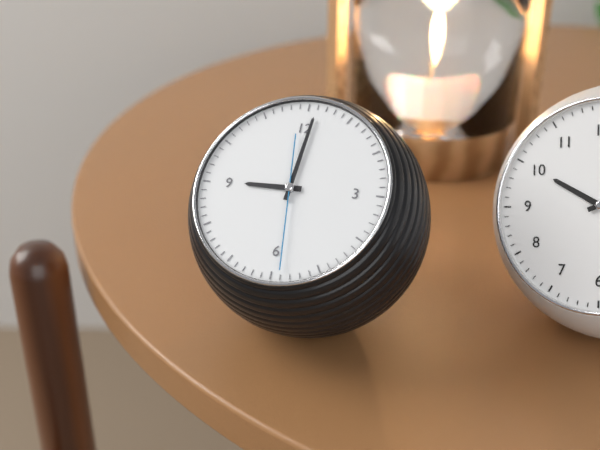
9:01:29
